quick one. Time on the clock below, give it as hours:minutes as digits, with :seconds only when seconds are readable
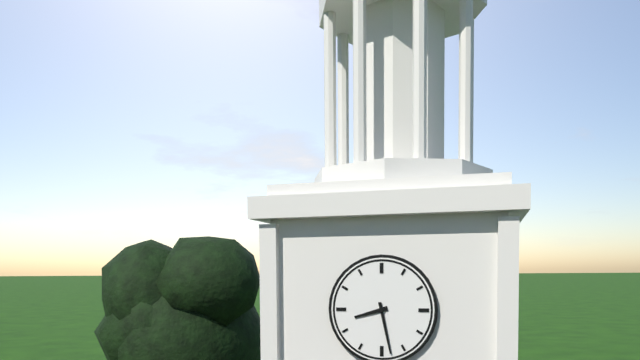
8:28
